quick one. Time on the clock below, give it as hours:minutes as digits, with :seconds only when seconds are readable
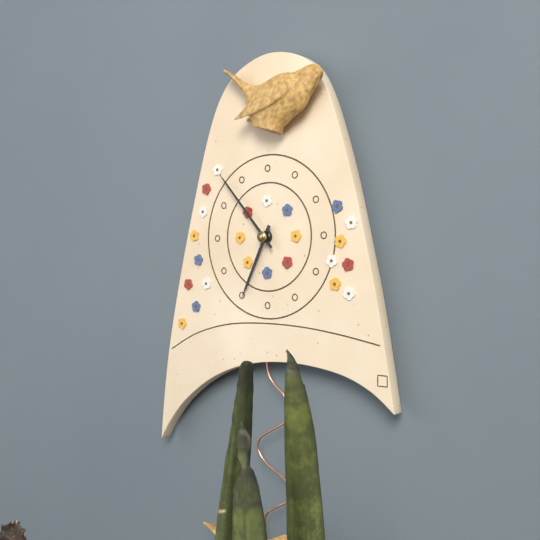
6:53
